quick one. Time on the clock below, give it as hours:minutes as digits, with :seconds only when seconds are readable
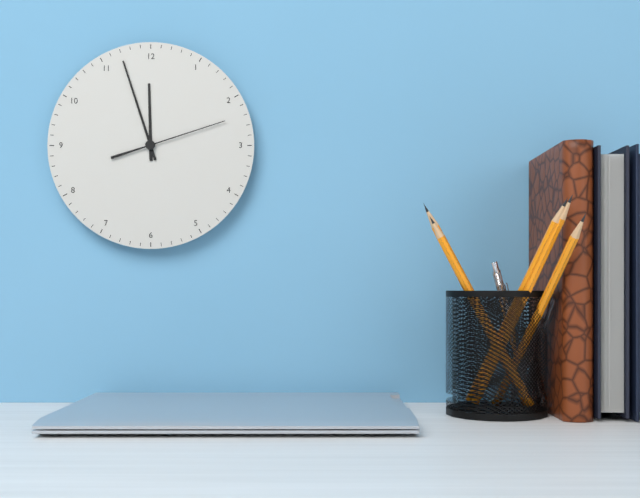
11:57:12
